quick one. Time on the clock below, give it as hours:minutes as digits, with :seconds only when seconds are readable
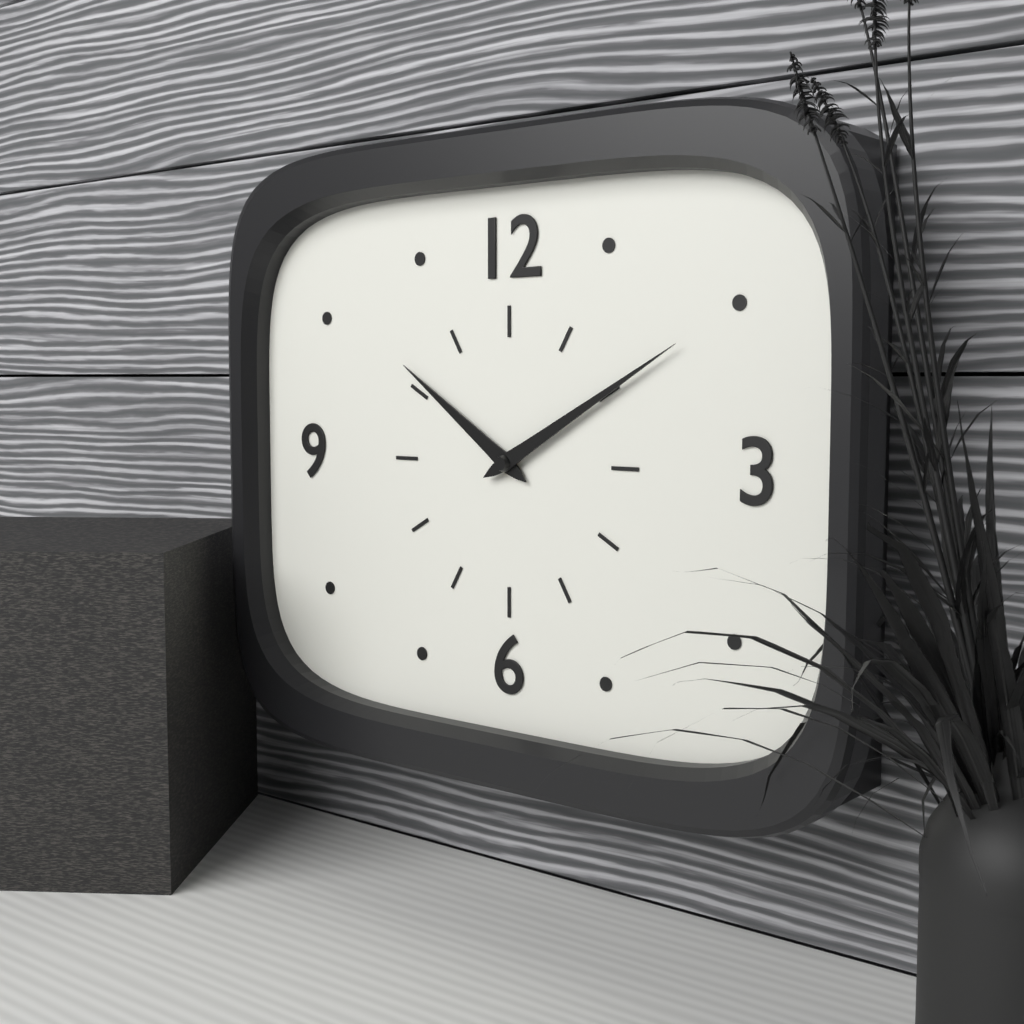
10:10
